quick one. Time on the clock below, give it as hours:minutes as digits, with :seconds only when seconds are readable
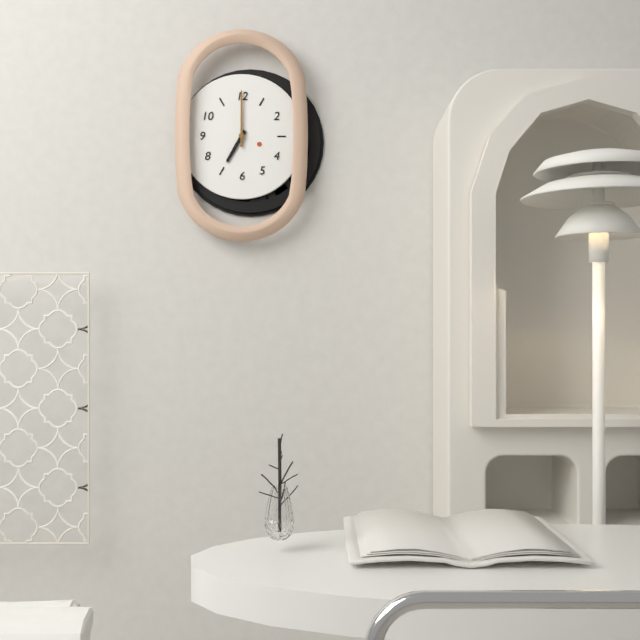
7:00
